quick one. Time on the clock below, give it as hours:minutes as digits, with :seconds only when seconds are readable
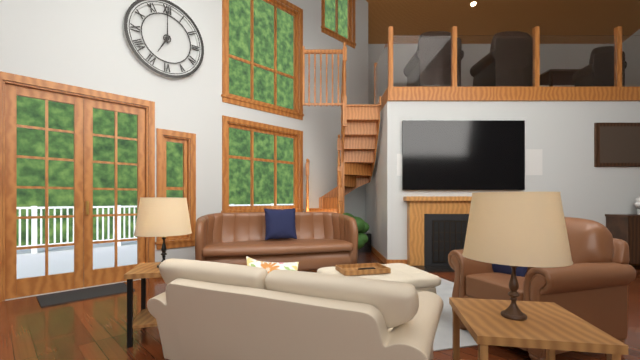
7:00
